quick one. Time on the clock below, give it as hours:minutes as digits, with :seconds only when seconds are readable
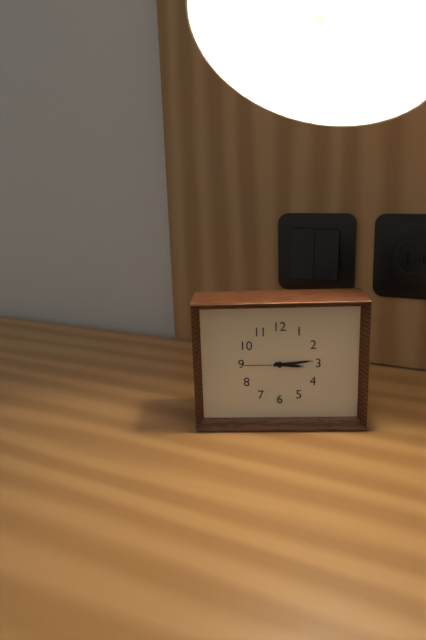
3:14
